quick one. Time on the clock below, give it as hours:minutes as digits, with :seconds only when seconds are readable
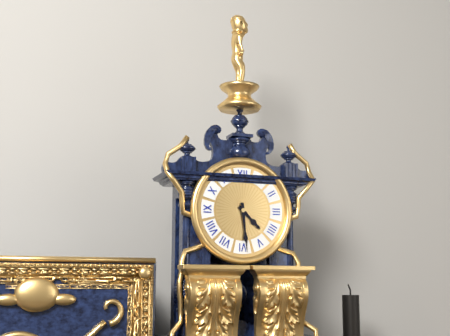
4:29
